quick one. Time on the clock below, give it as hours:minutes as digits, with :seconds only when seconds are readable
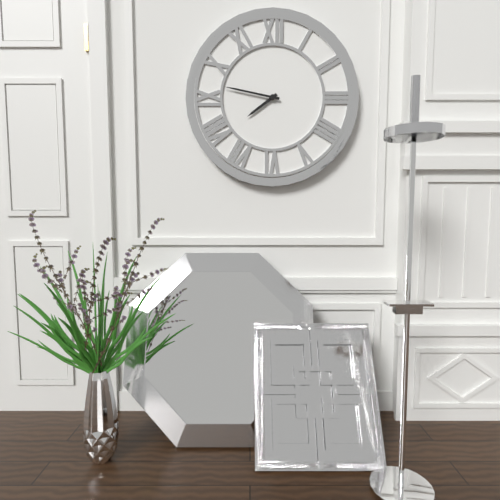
7:47
